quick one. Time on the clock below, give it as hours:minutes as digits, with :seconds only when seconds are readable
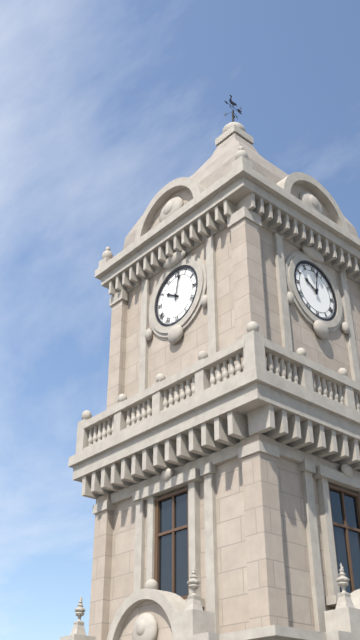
10:02
